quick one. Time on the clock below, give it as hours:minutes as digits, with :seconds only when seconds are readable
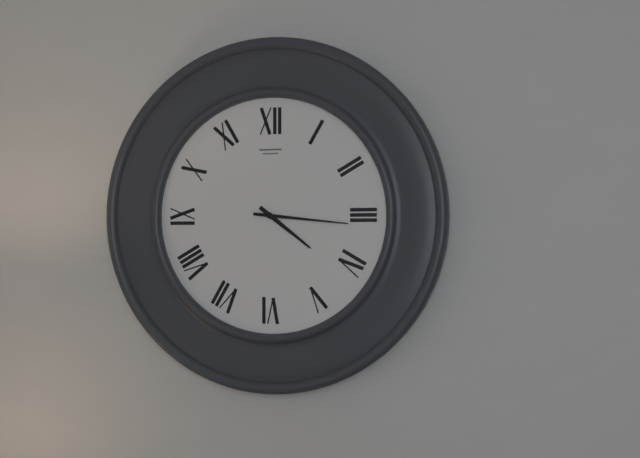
4:16
